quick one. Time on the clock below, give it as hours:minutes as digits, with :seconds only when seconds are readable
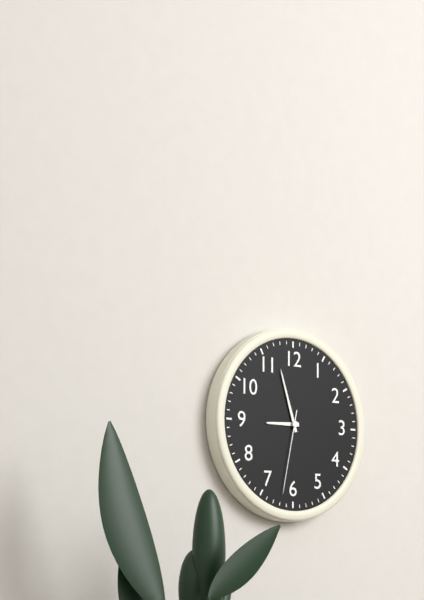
8:57:32
